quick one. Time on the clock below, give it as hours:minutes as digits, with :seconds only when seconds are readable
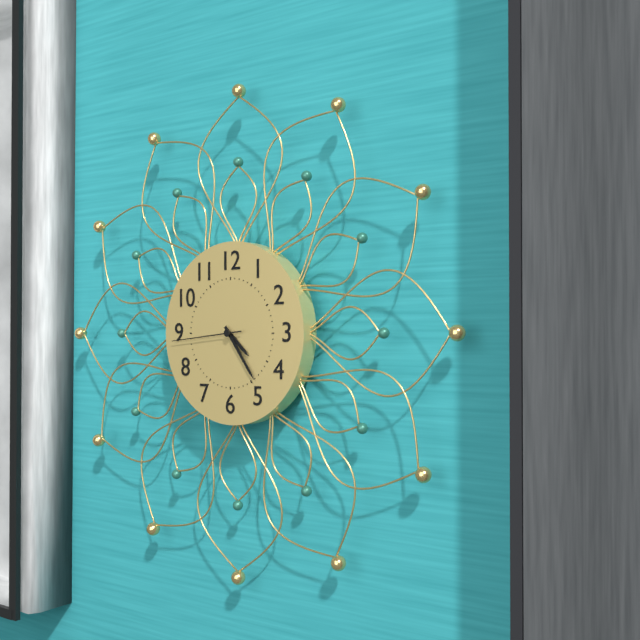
4:24:44
